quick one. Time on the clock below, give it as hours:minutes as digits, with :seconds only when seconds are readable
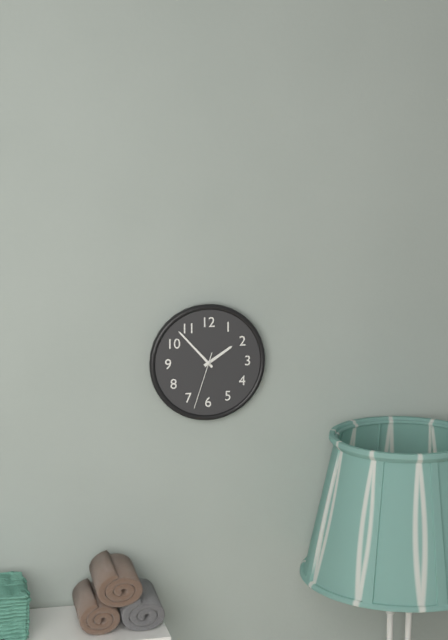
1:53:33
